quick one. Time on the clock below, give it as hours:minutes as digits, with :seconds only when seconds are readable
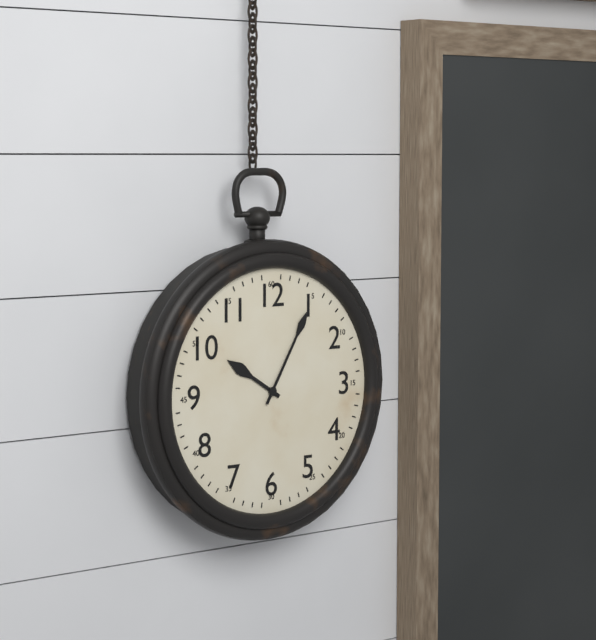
10:05
